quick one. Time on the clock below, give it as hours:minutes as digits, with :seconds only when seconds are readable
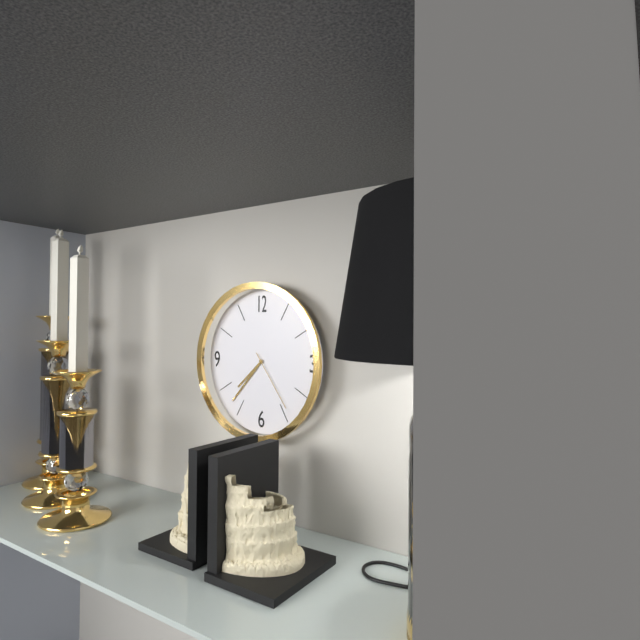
7:37:24
